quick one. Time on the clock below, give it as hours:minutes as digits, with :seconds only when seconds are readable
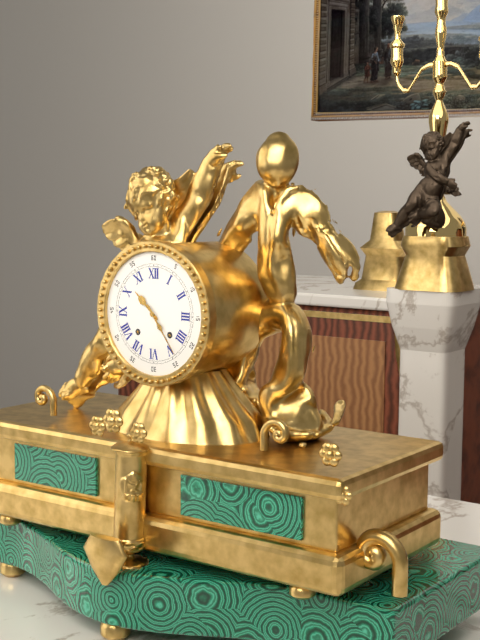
10:24
